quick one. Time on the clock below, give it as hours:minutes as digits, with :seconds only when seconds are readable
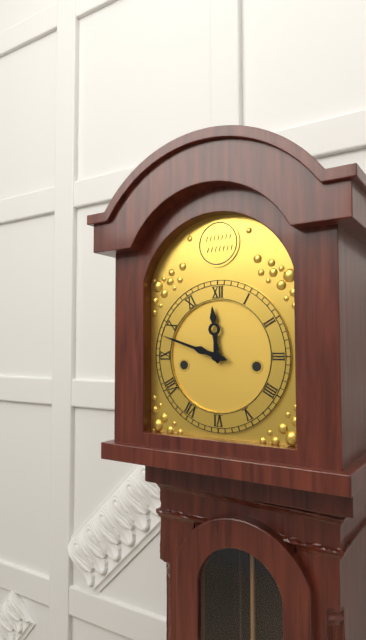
11:48
